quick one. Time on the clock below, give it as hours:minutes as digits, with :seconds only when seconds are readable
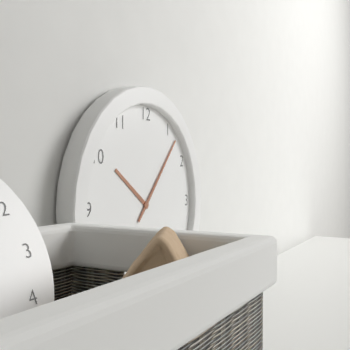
10:07
